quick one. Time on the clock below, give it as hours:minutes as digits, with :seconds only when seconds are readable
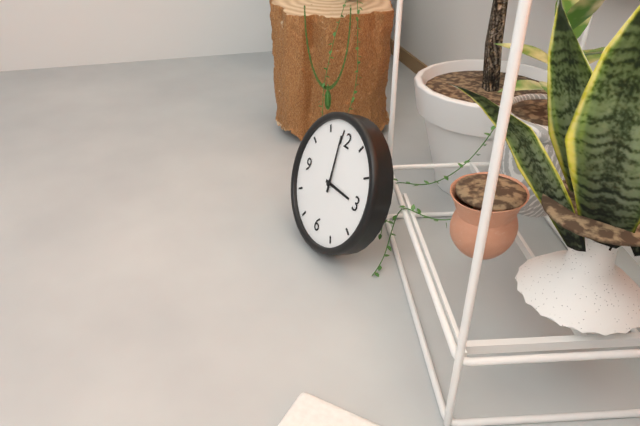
2:59
